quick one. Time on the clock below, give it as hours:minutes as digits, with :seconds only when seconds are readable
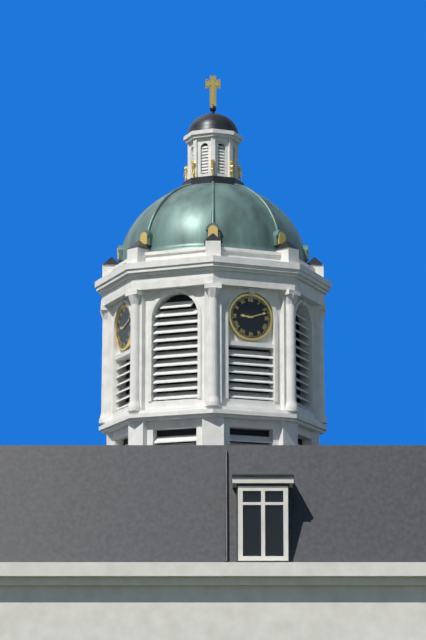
9:12
